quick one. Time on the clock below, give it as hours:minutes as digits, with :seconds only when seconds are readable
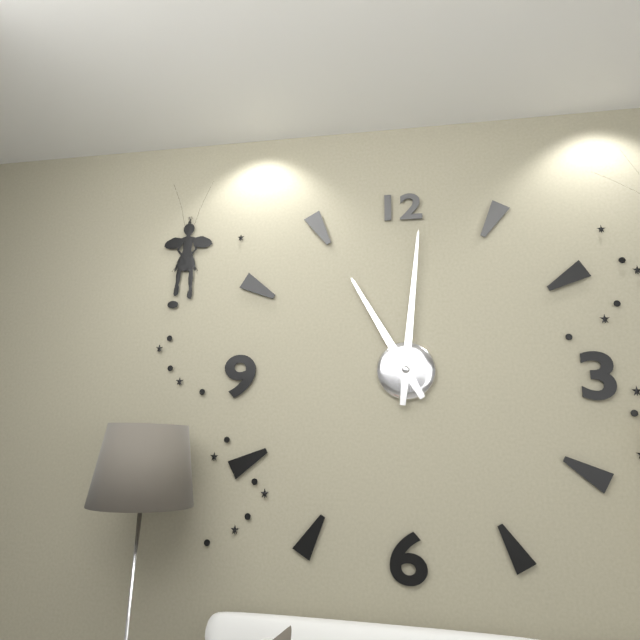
11:01
